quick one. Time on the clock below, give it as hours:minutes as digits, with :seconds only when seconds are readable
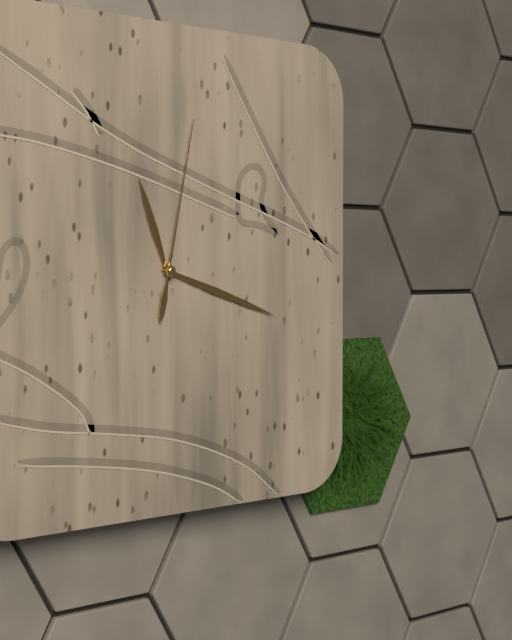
11:18:02
